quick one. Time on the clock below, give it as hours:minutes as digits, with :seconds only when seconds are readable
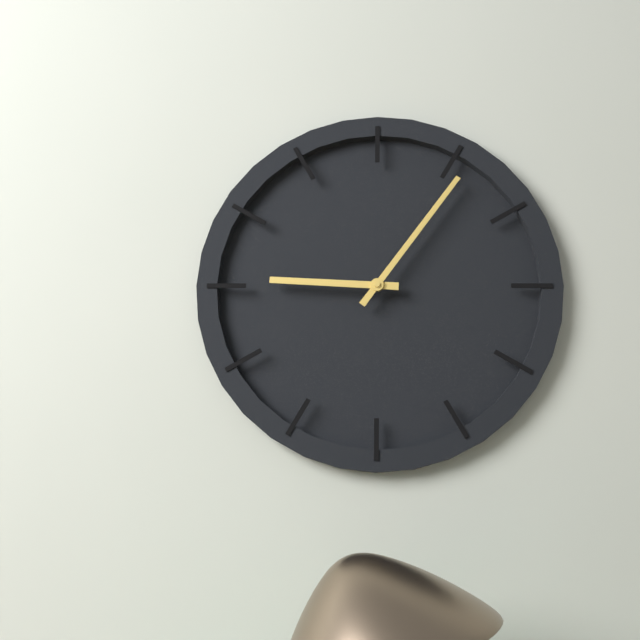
9:06
